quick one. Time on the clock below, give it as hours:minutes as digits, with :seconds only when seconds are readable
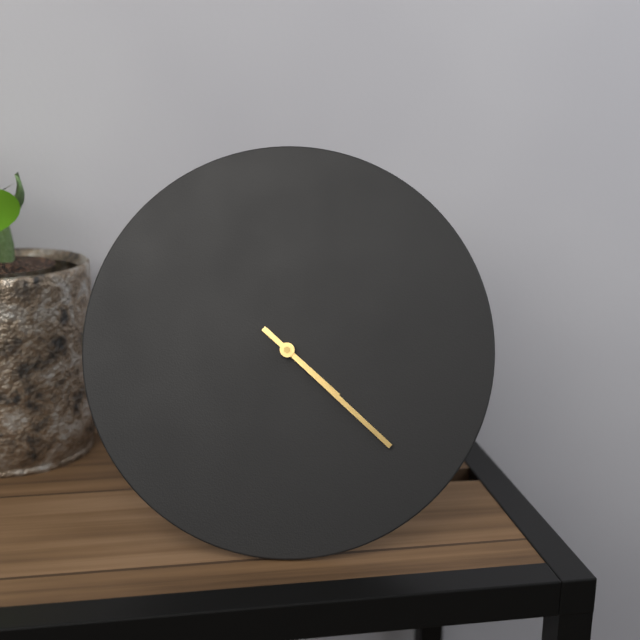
4:22
